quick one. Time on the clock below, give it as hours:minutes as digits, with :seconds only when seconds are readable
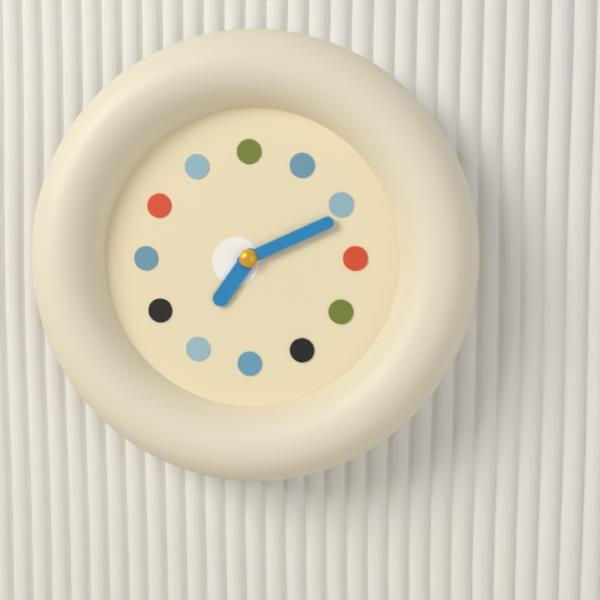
7:11
